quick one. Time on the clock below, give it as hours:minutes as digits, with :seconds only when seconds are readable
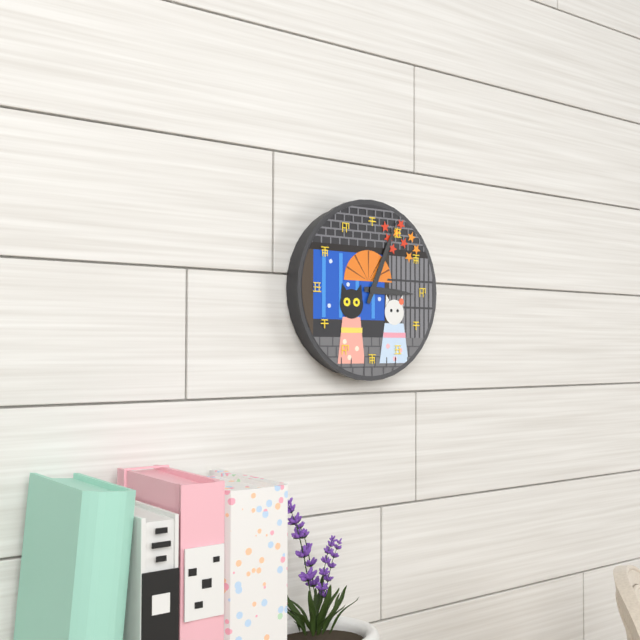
3:04
